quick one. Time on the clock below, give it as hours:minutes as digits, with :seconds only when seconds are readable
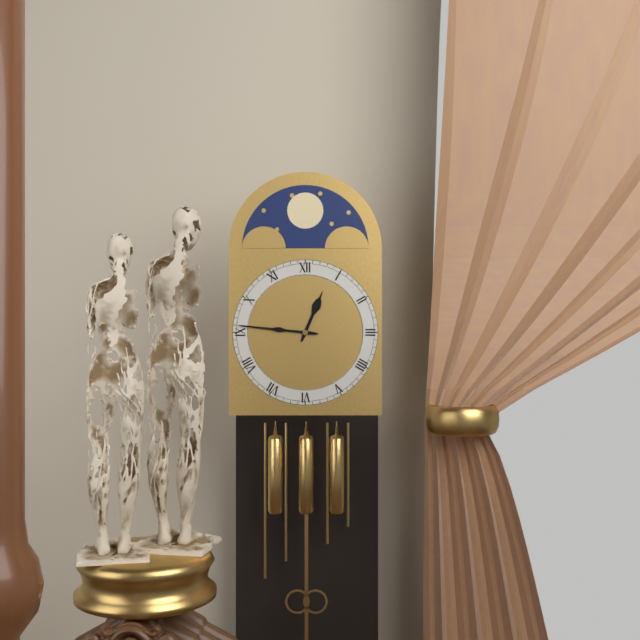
12:46
